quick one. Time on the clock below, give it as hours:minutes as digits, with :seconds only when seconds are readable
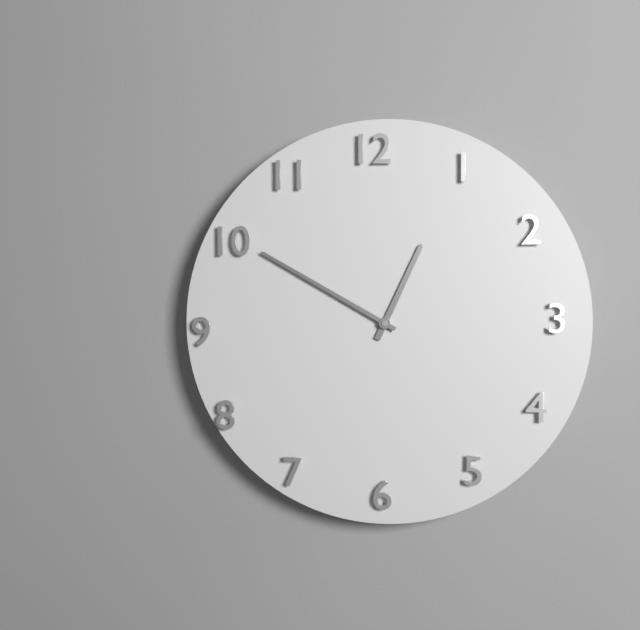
12:50
